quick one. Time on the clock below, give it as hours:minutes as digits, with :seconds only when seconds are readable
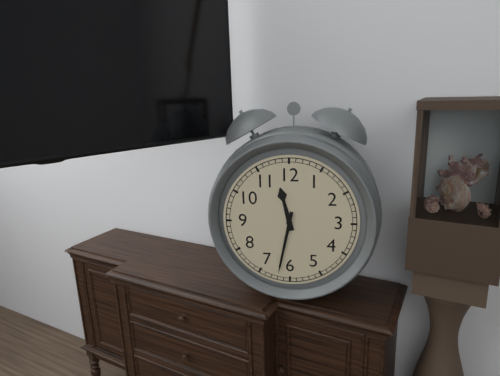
11:32
